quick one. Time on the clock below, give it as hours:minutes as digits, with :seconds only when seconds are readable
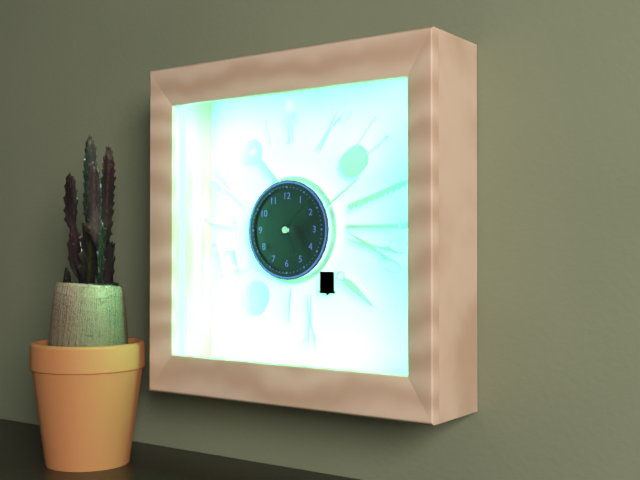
5:07
